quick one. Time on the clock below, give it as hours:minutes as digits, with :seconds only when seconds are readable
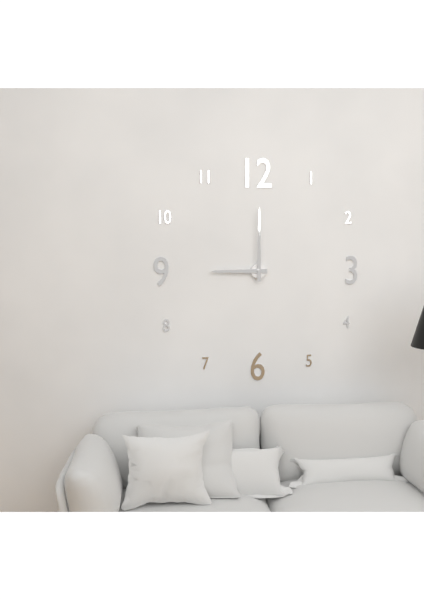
9:00
